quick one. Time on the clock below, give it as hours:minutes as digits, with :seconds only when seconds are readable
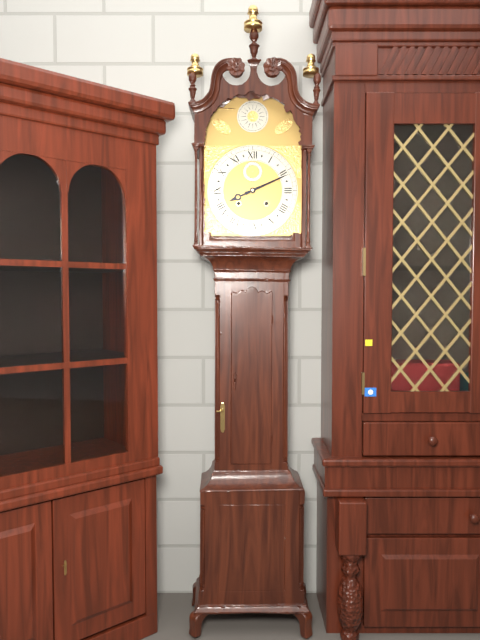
8:11
